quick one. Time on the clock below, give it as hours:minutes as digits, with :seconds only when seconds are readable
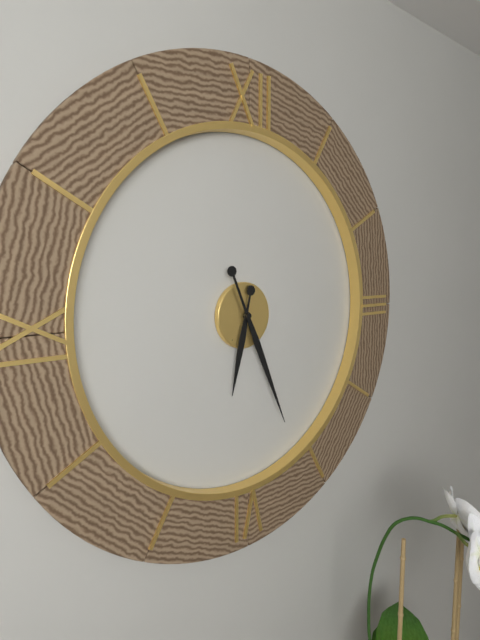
6:26
